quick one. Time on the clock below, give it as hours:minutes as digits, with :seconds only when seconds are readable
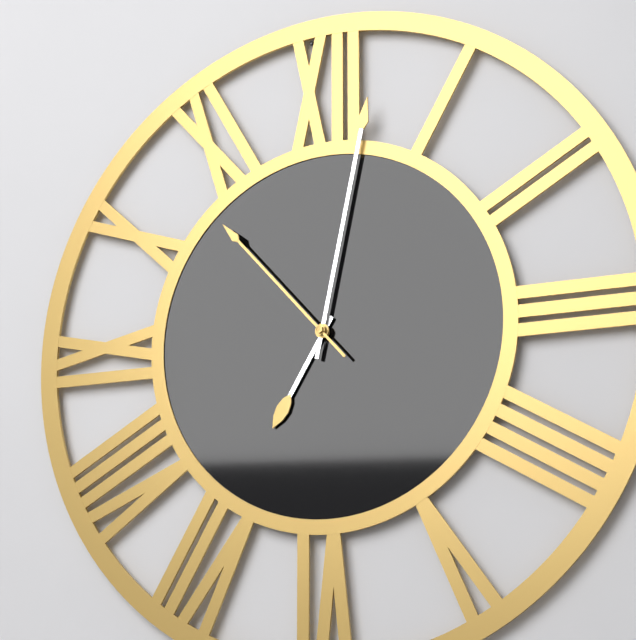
7:02:53
